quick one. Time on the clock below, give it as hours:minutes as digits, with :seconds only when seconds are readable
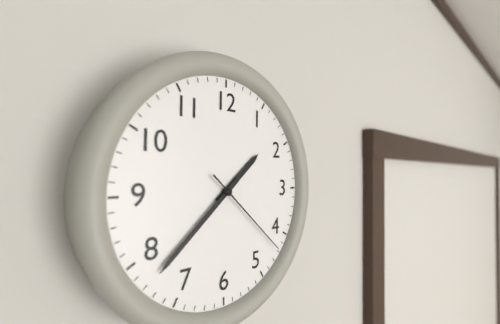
1:38:22
